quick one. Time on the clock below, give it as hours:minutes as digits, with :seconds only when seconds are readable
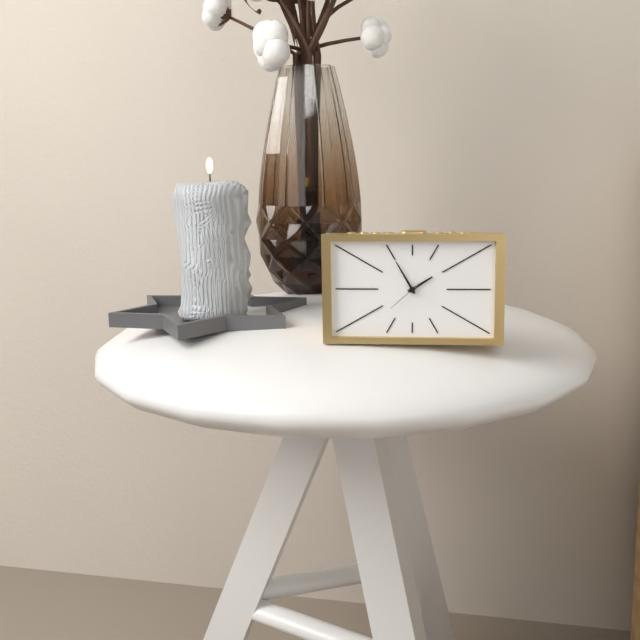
1:55
